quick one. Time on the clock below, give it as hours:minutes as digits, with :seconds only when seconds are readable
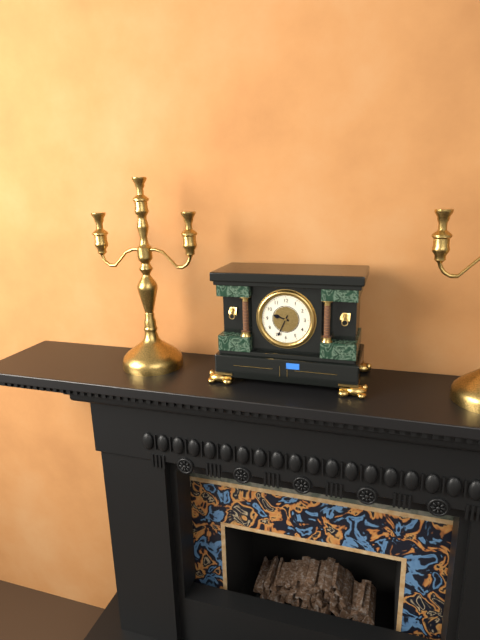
9:34
